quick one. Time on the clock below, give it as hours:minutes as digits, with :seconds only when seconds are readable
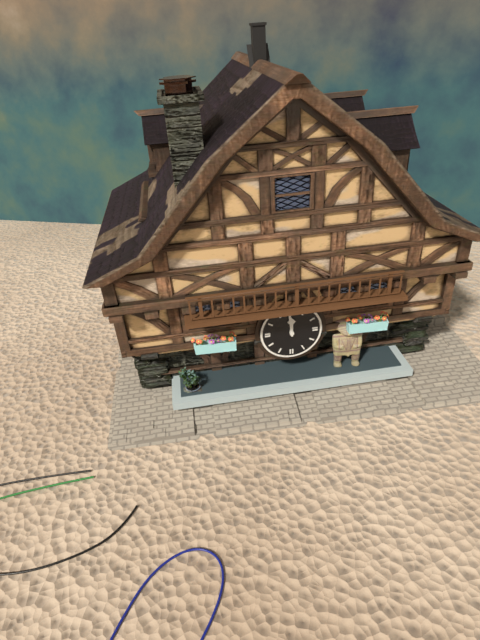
11:59
